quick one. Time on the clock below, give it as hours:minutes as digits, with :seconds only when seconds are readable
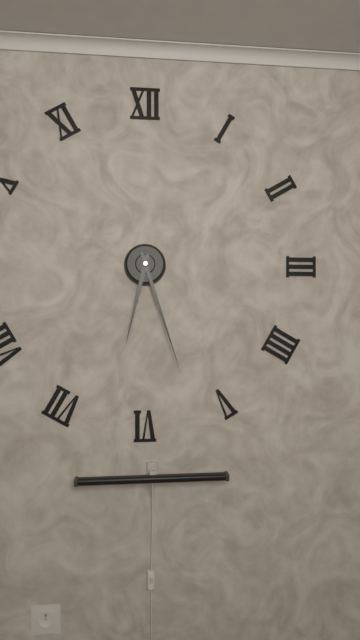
6:27
